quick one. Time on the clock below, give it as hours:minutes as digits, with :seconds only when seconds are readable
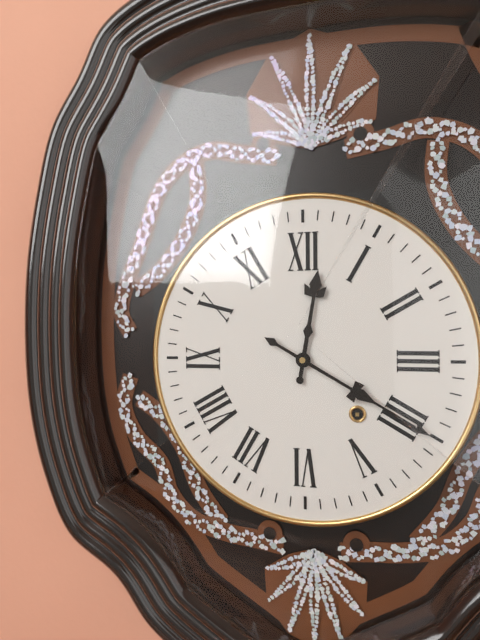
12:20
